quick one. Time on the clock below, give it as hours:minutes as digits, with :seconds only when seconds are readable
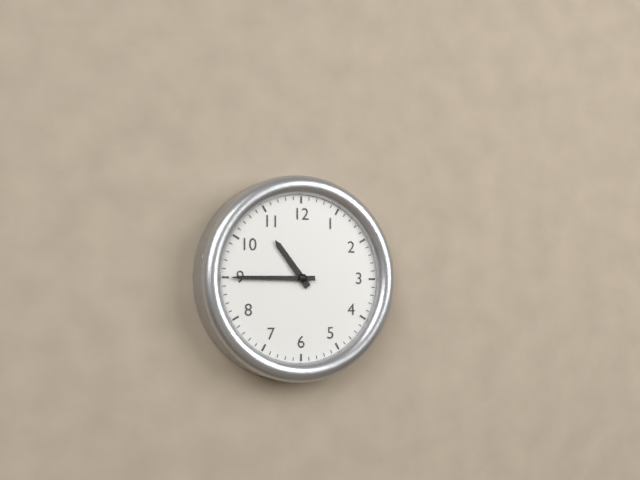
10:45
